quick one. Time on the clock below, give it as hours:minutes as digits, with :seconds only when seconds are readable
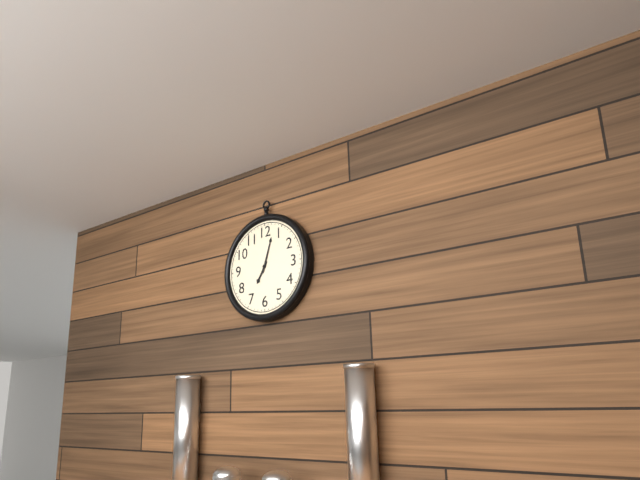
7:03
